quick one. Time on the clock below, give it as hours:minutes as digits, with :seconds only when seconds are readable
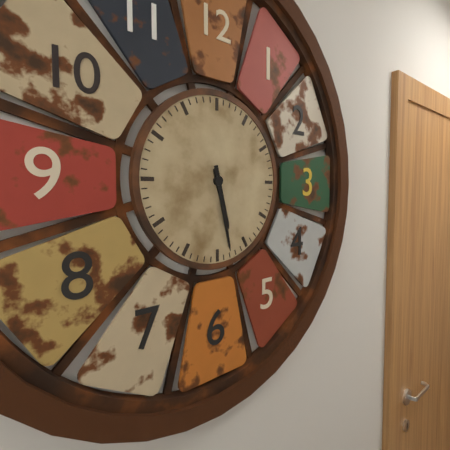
5:28
